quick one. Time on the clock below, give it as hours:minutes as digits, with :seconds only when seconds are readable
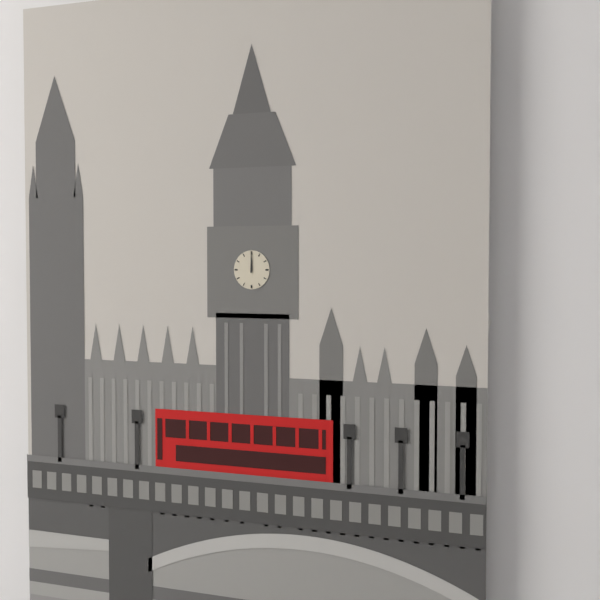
12:00
